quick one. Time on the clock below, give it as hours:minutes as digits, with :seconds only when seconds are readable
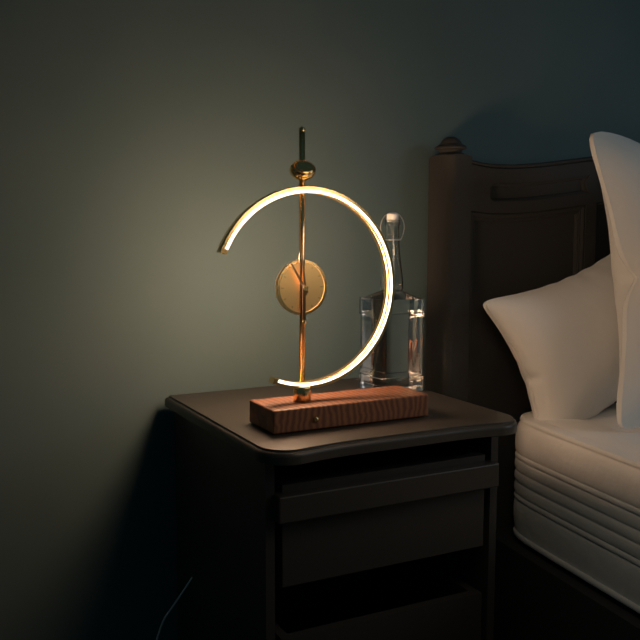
10:59
